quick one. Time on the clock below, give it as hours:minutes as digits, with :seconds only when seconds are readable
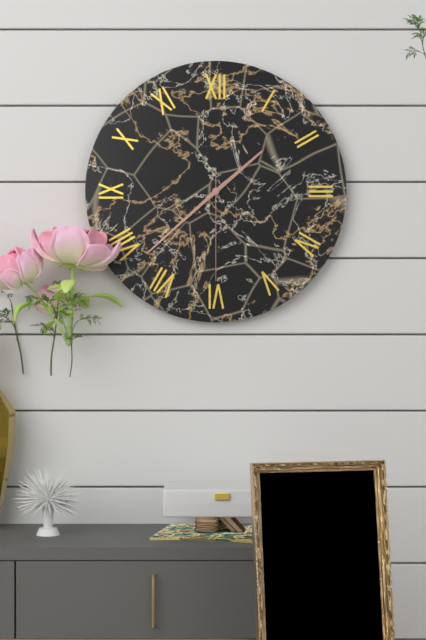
1:38:30
